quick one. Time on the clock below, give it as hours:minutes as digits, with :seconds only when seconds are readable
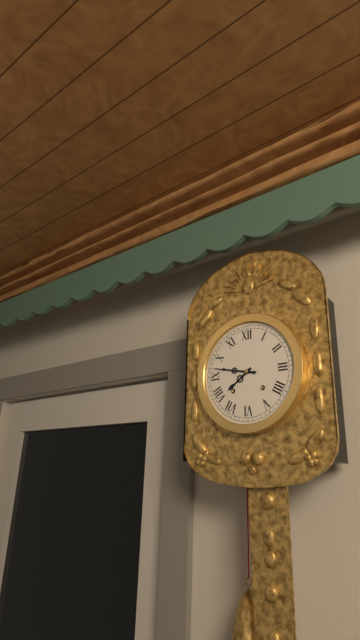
7:47
